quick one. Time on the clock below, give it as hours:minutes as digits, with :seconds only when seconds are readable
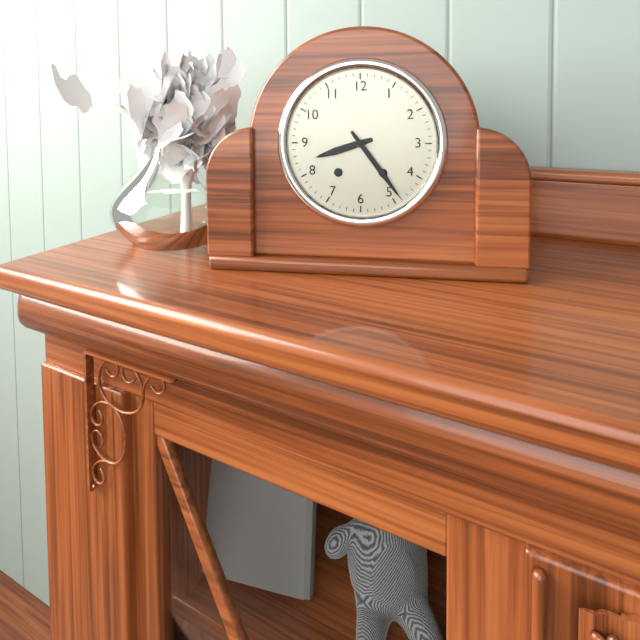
8:24
